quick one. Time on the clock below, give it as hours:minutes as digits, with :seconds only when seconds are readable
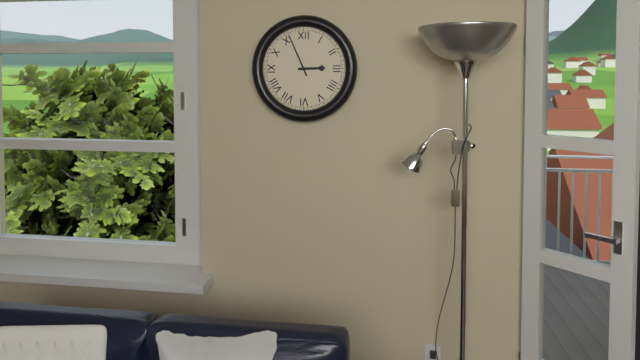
2:56
